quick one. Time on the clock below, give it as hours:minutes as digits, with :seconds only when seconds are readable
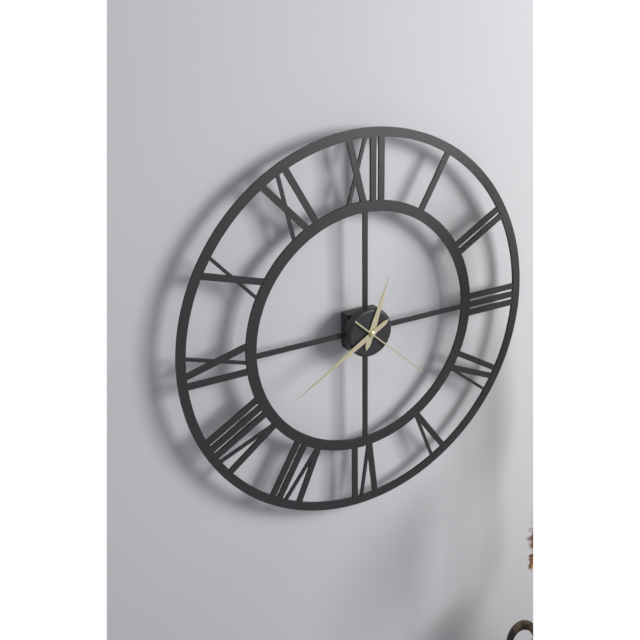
12:40:22
